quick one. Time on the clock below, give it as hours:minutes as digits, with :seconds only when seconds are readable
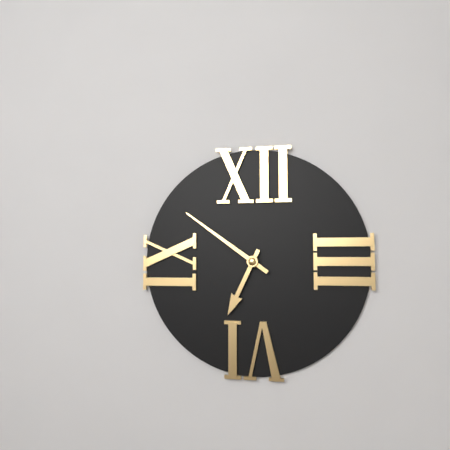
6:51
